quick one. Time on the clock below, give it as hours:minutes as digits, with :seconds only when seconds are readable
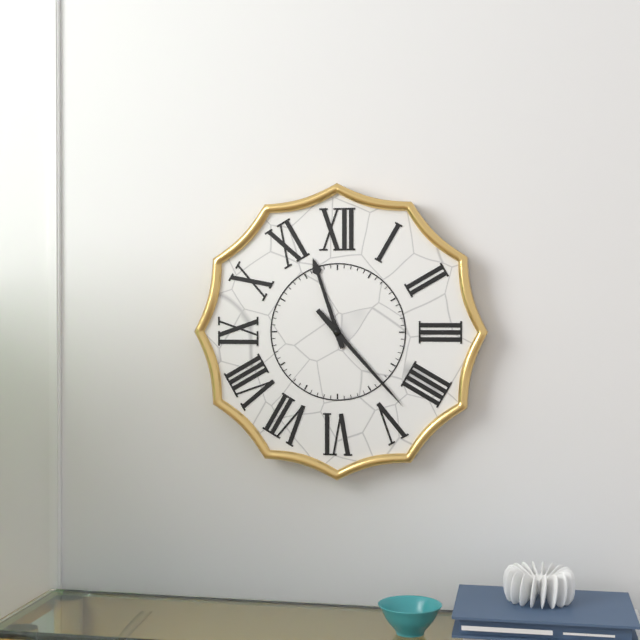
11:23
